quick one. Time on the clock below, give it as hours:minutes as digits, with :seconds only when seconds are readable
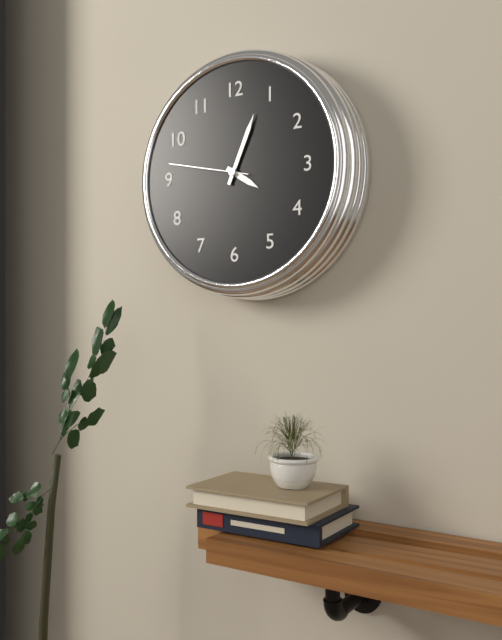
4:04:47
